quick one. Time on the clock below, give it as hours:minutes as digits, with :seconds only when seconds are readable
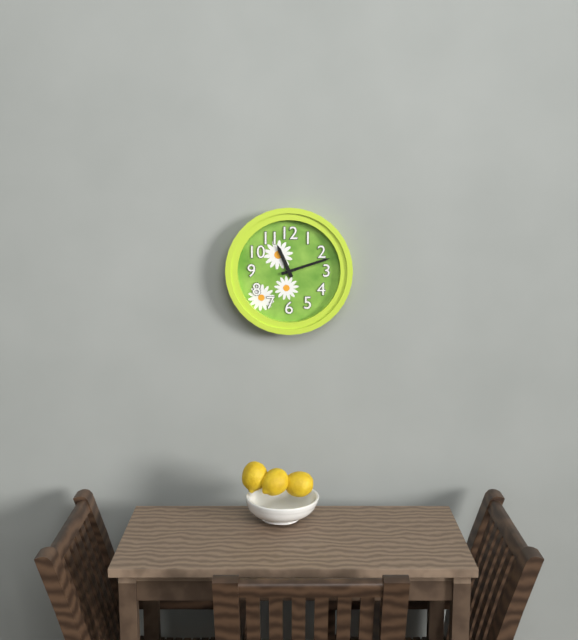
11:12
